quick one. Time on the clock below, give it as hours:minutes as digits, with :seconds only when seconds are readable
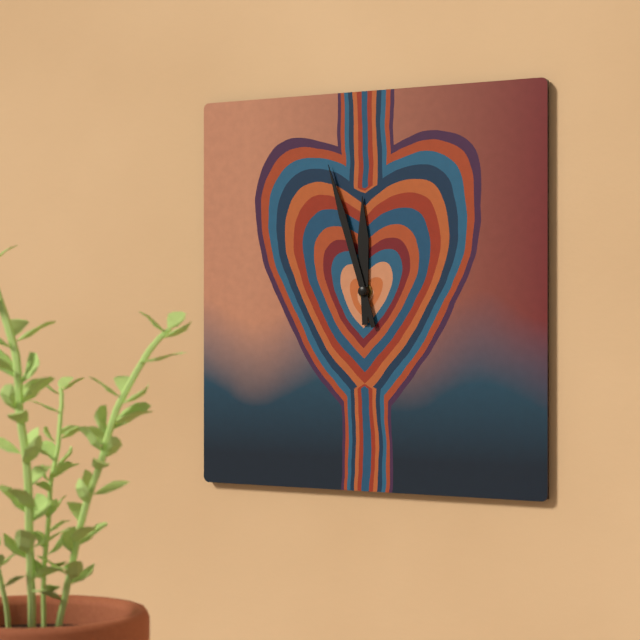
11:57
